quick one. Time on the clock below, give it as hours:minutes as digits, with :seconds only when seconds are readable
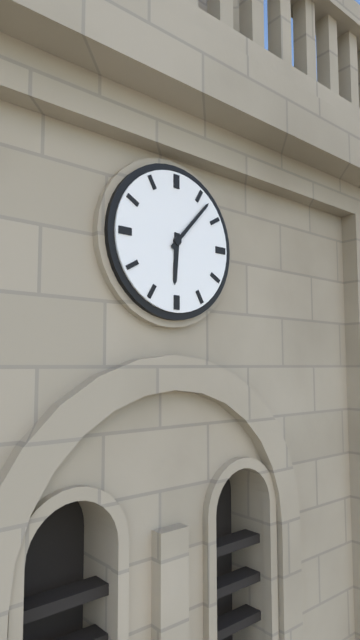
6:07
